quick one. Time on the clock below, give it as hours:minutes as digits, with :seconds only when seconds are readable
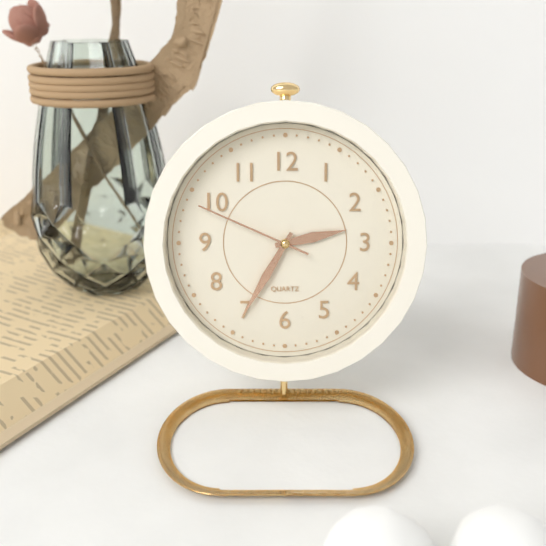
2:35:49
